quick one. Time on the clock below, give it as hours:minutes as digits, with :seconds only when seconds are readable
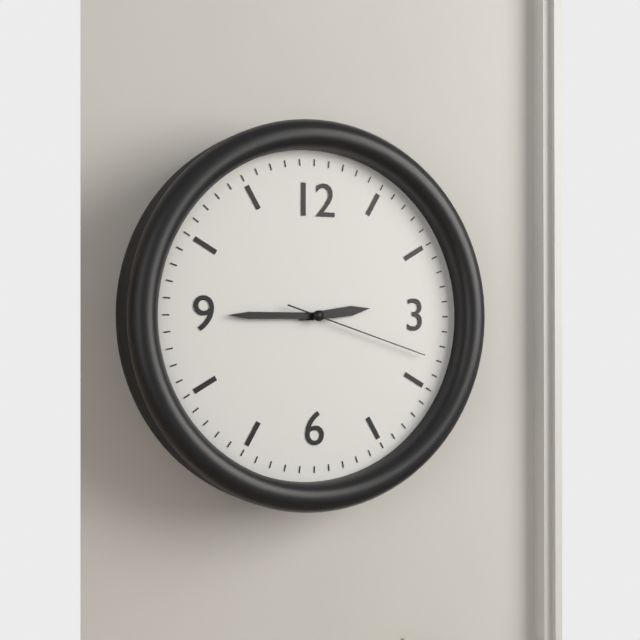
2:45:18
